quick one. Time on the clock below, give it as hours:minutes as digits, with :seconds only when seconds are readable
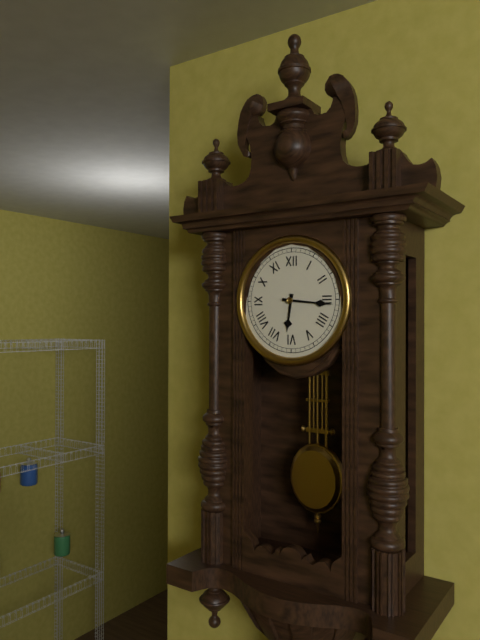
6:16
